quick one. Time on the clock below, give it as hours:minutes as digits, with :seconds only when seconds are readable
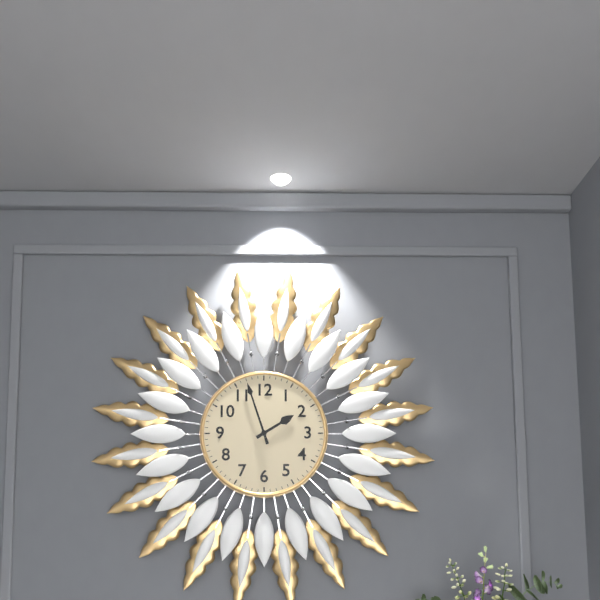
1:57
